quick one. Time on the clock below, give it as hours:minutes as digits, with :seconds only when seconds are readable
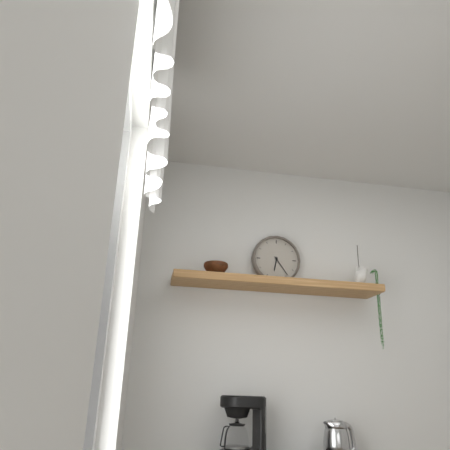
6:24
